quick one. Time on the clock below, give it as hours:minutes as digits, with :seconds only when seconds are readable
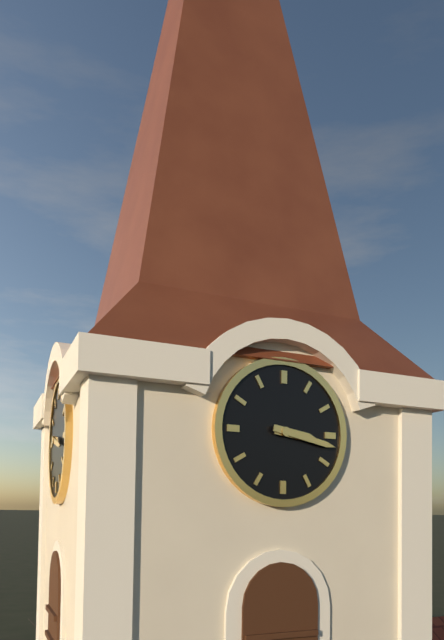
3:17
